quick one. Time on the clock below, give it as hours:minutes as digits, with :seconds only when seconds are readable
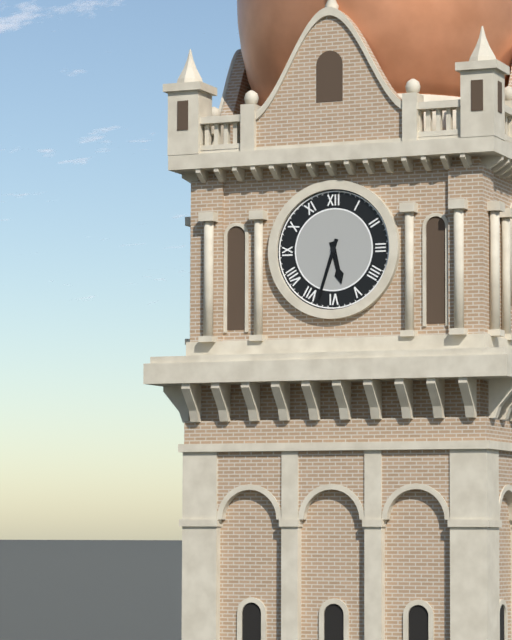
5:33
